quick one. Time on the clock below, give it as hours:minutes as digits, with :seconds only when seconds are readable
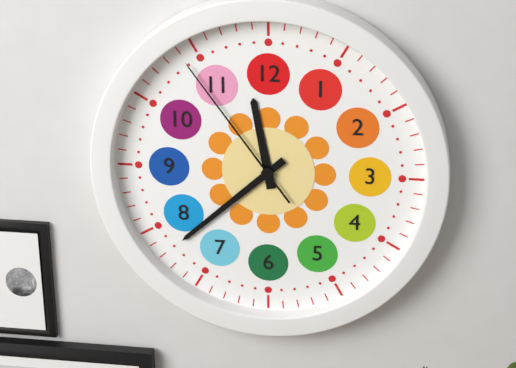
11:38:54
